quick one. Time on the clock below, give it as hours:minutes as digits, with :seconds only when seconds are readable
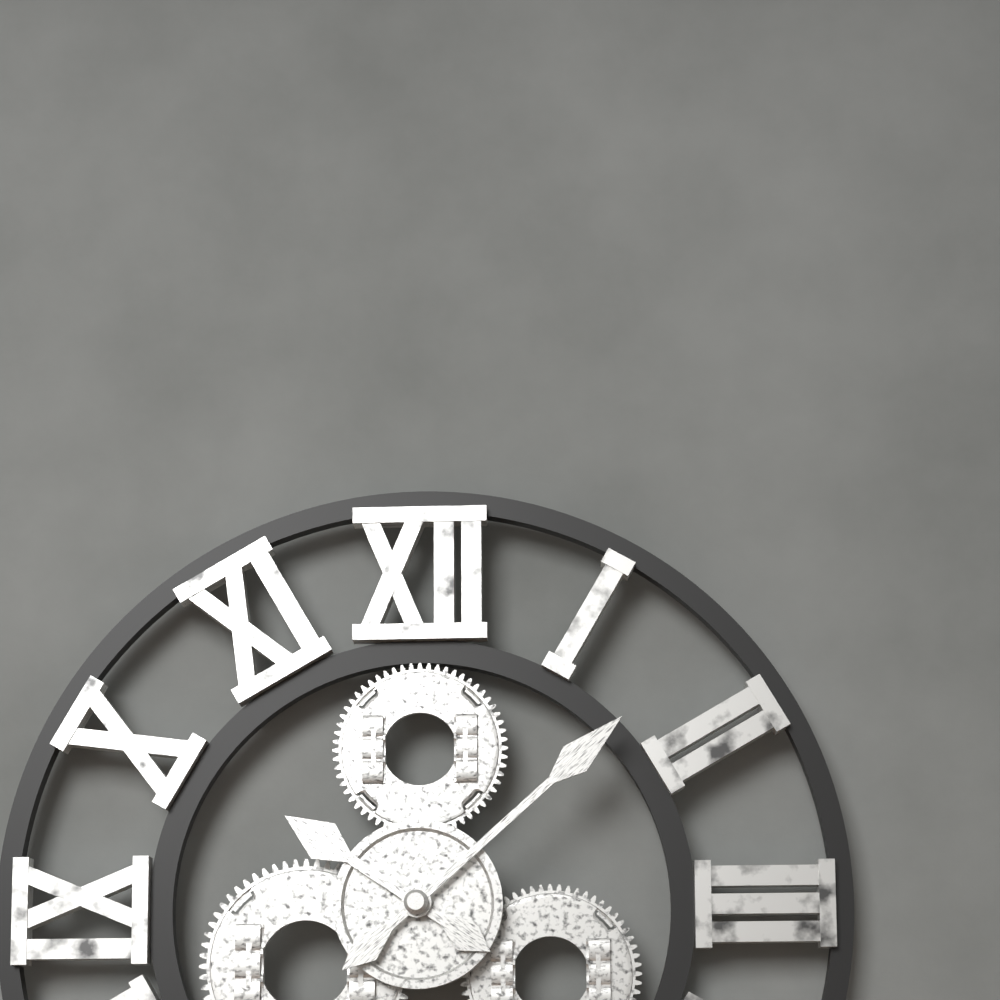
10:08
